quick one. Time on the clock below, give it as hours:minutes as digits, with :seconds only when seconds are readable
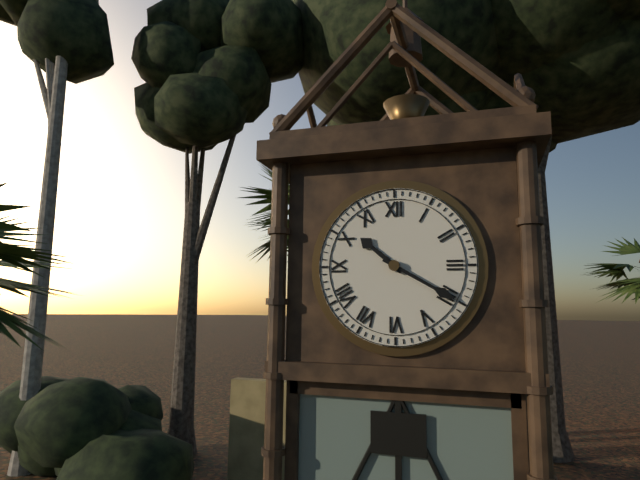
10:20
